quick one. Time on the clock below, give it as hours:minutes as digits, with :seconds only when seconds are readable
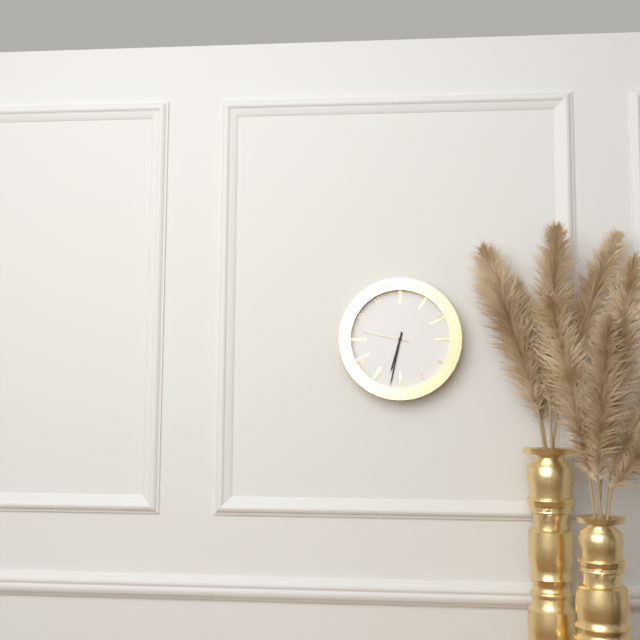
6:32:47
